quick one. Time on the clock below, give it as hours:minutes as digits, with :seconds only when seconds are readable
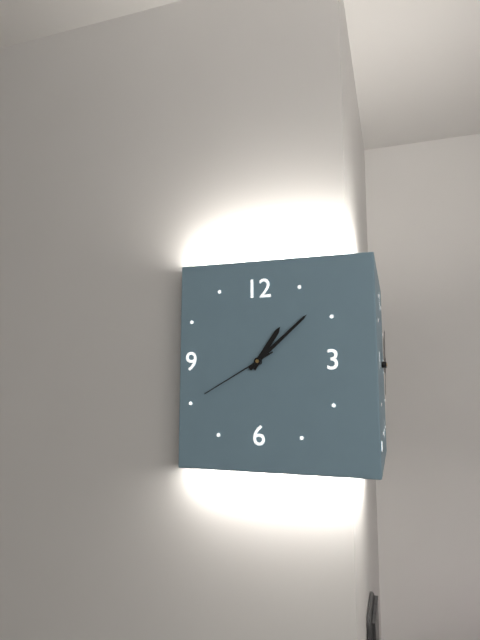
1:08:40
